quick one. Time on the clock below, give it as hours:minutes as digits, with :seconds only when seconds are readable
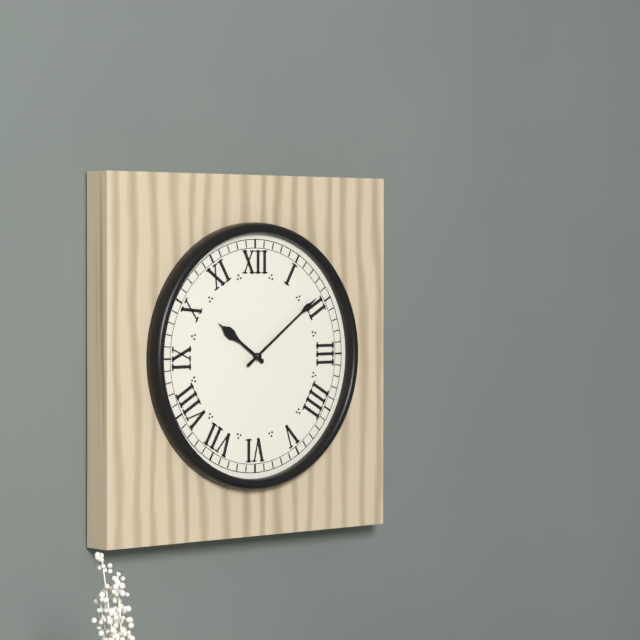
10:09
